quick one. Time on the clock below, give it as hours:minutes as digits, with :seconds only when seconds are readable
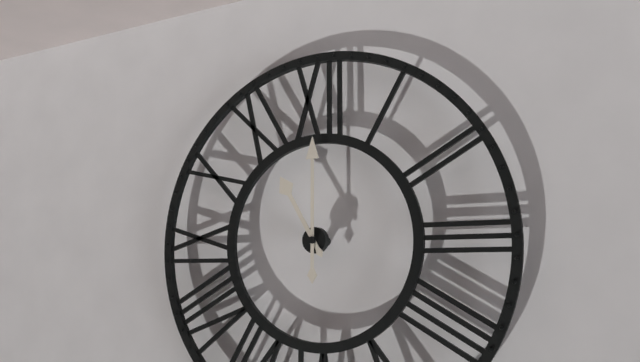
11:00
